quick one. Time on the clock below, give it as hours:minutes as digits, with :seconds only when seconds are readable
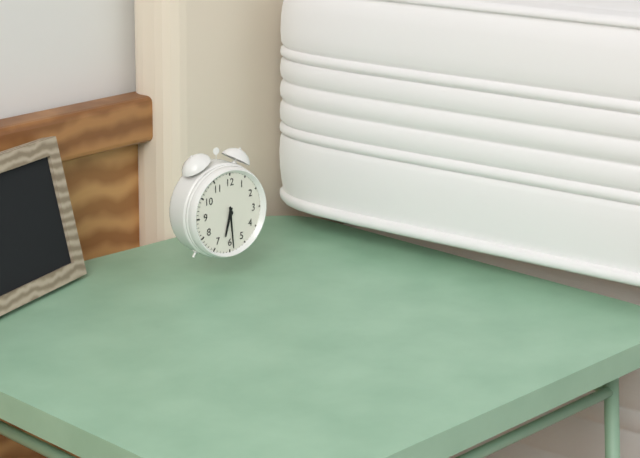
6:29
